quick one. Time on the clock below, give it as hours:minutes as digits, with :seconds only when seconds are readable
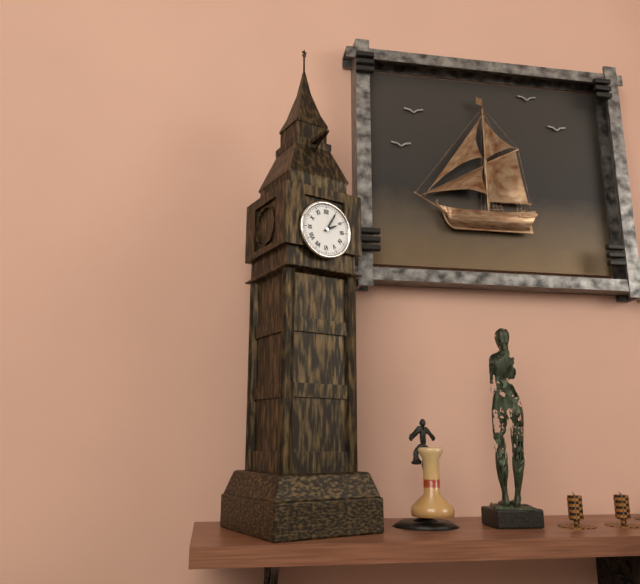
2:05
